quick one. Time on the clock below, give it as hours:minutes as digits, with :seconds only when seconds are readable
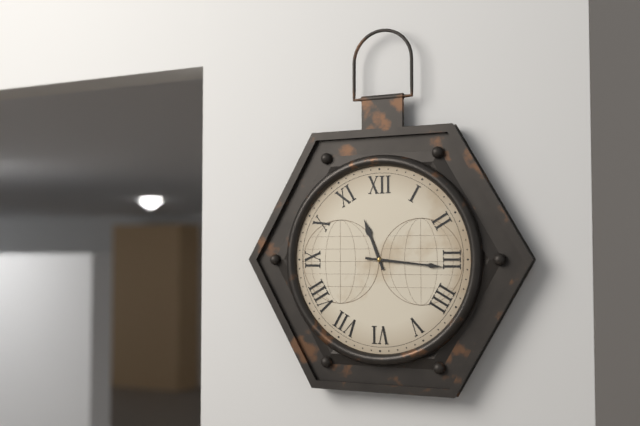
11:16
